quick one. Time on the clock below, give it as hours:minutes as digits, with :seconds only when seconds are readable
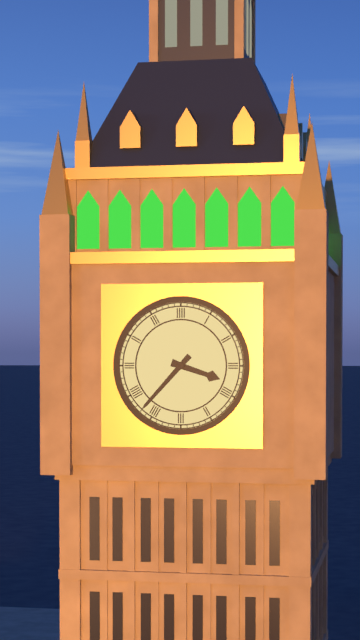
3:37
